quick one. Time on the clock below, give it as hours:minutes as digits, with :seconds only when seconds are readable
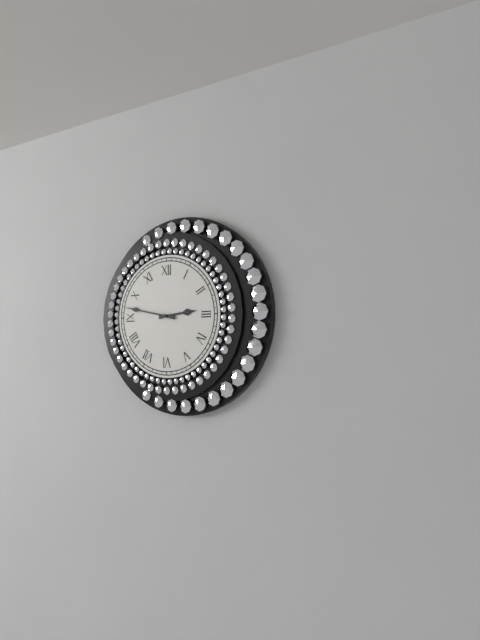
2:47
